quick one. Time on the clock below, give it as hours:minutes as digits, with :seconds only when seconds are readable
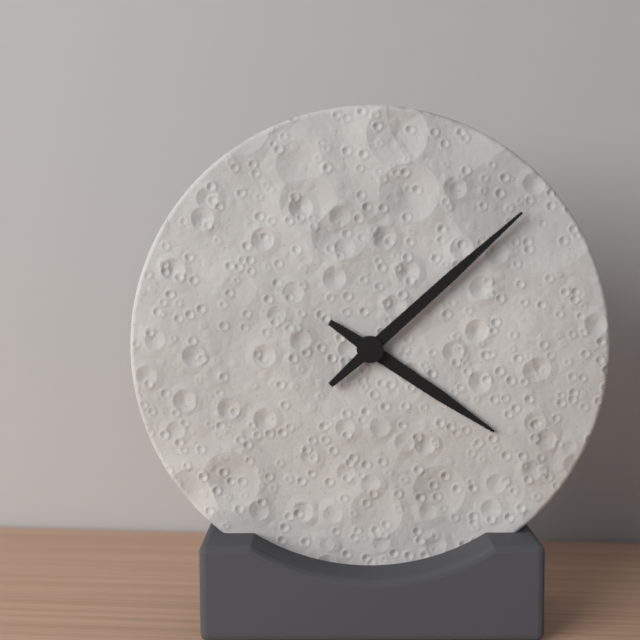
4:08
